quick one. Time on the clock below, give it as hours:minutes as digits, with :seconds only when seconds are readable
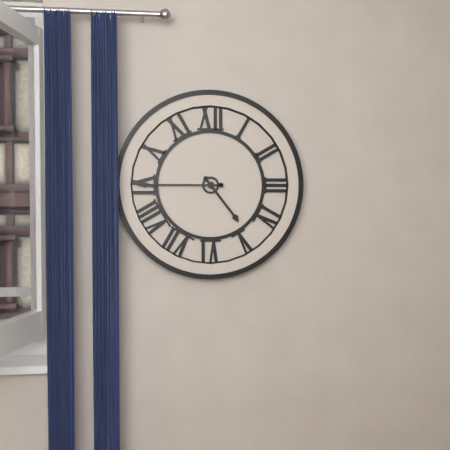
4:45
